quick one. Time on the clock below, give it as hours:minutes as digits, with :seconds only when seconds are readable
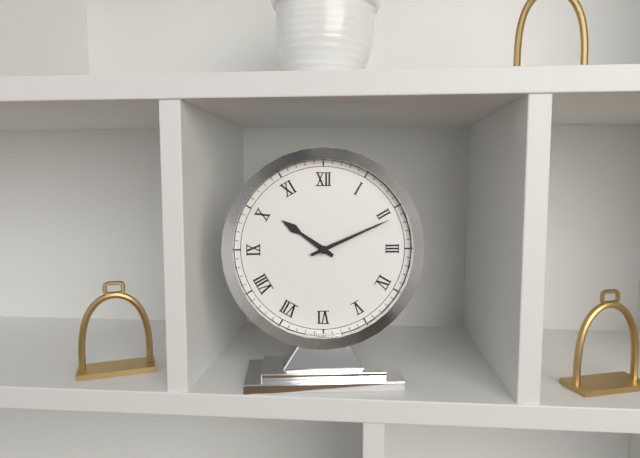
10:11
